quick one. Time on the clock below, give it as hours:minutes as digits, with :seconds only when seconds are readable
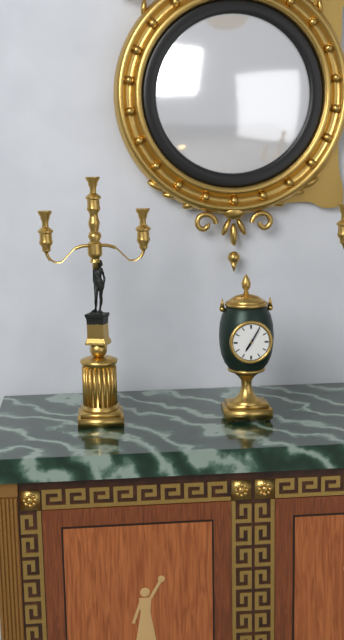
7:05
